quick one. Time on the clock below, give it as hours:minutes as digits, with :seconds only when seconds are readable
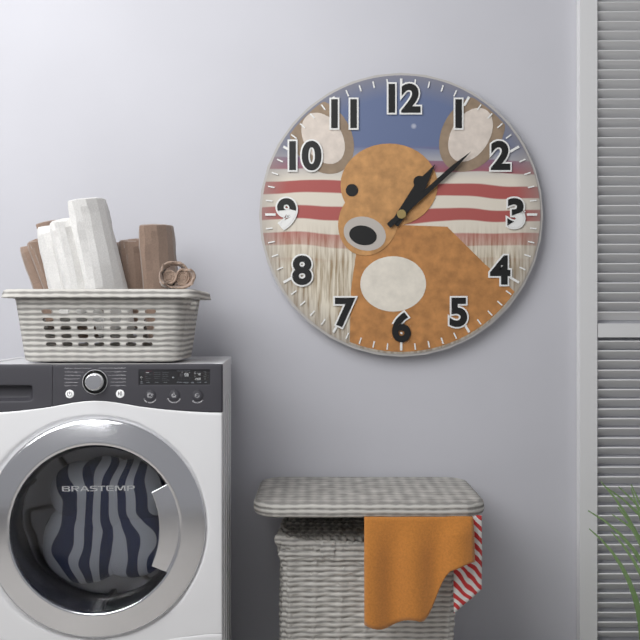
1:08
